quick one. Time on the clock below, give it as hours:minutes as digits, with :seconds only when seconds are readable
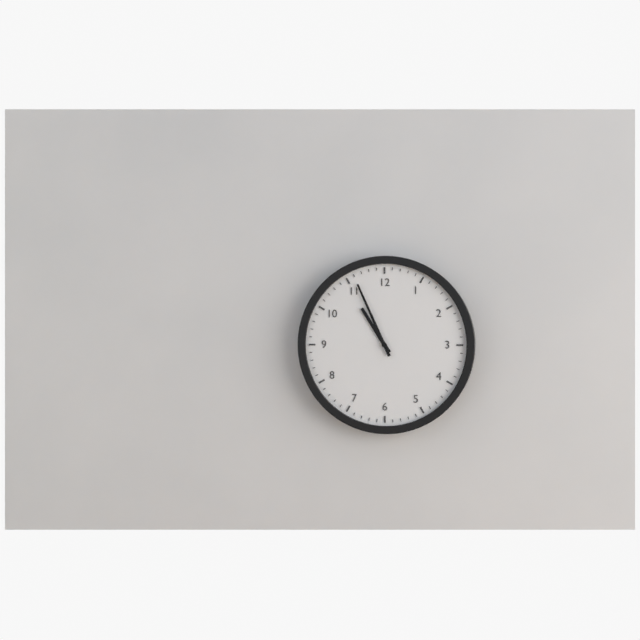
10:56
